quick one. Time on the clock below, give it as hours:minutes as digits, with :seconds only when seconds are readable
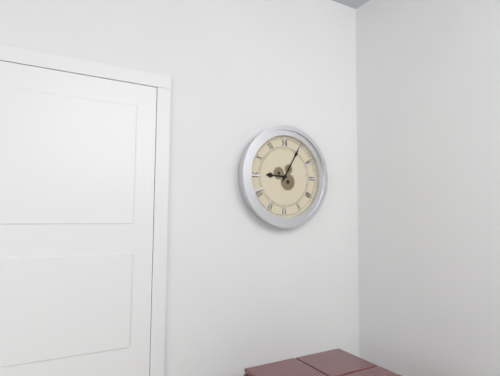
9:05
